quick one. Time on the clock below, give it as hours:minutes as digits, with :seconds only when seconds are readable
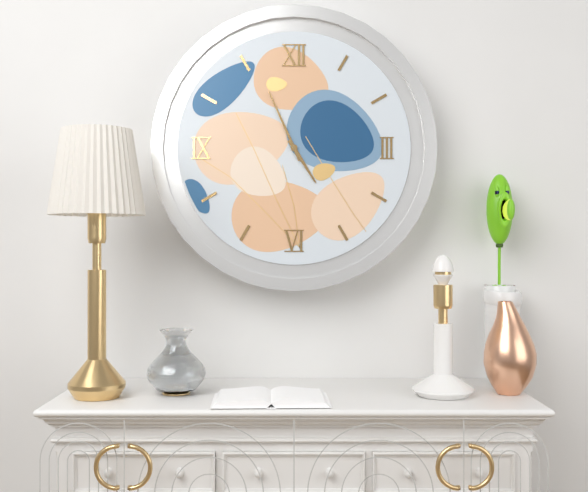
4:56
